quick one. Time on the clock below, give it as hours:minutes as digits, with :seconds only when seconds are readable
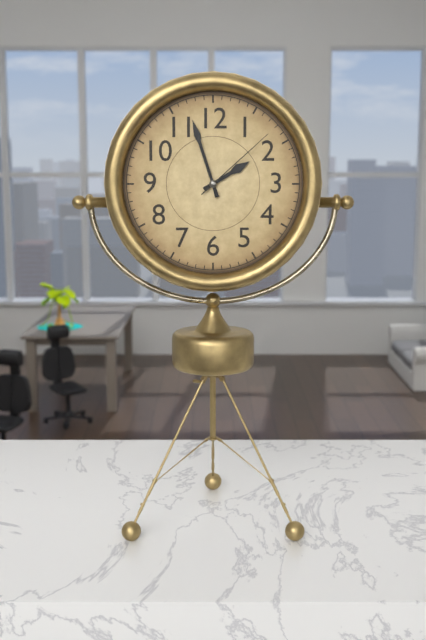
1:57:08
